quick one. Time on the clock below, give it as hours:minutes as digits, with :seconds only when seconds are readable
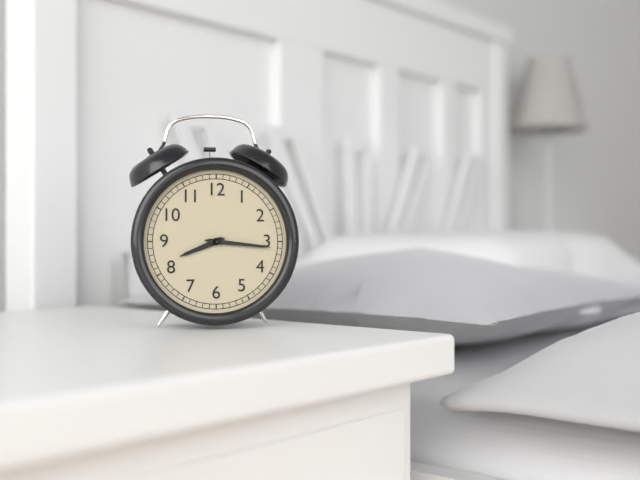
8:16
